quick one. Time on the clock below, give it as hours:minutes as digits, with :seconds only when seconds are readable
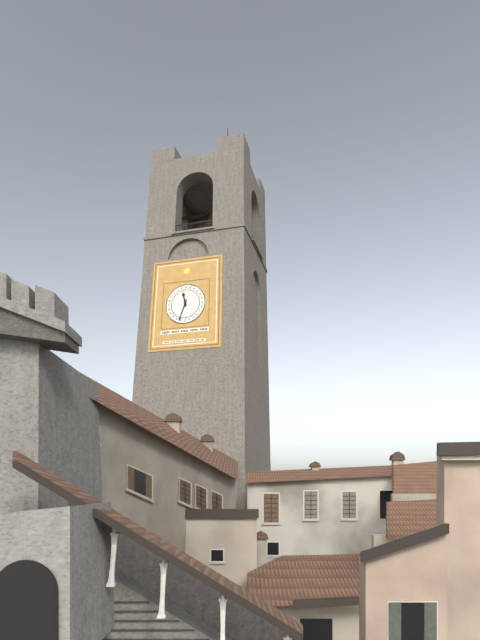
11:33
